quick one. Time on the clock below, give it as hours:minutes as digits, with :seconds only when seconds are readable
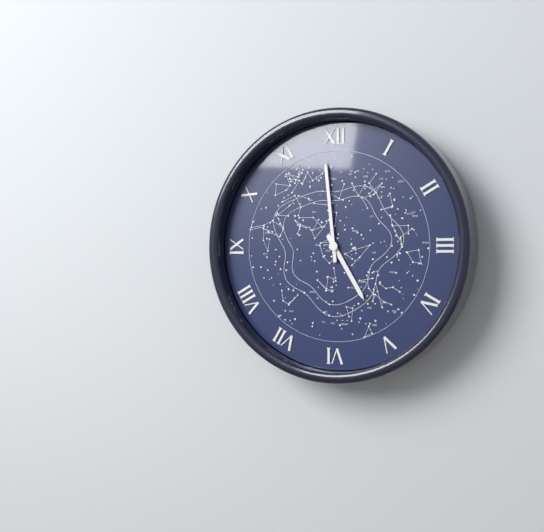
4:59
